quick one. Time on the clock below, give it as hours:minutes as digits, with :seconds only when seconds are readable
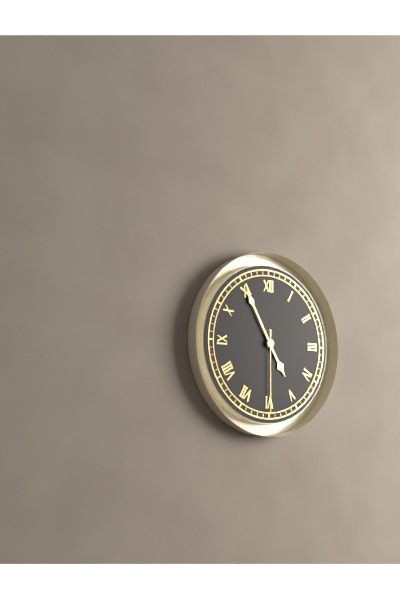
4:55:30
